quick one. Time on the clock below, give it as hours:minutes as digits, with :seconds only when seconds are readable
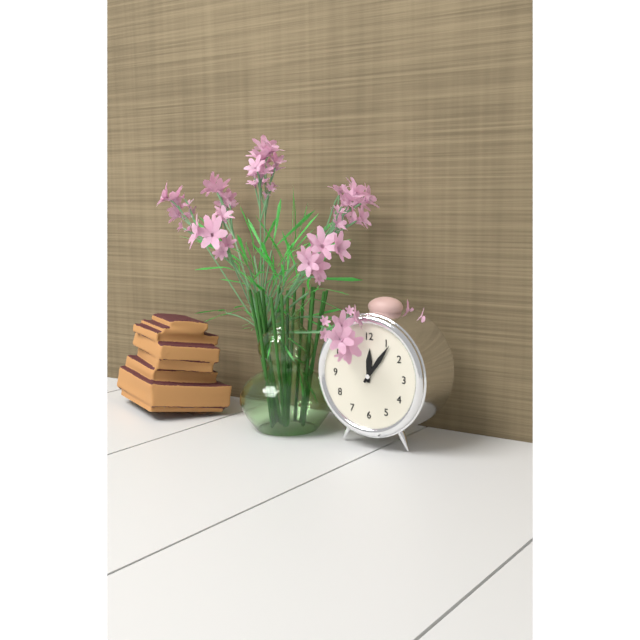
12:06
